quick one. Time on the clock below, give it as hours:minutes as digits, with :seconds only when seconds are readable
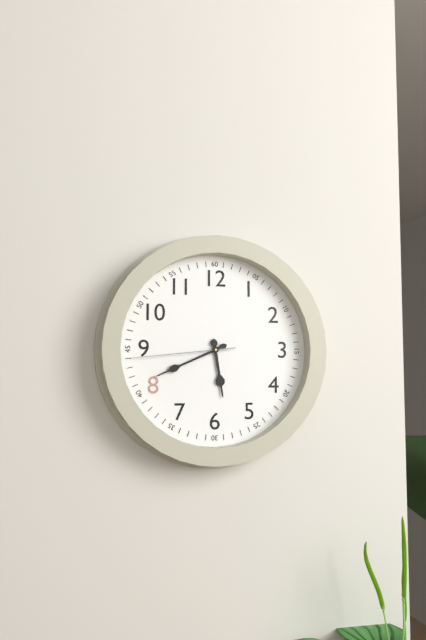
5:41:44
